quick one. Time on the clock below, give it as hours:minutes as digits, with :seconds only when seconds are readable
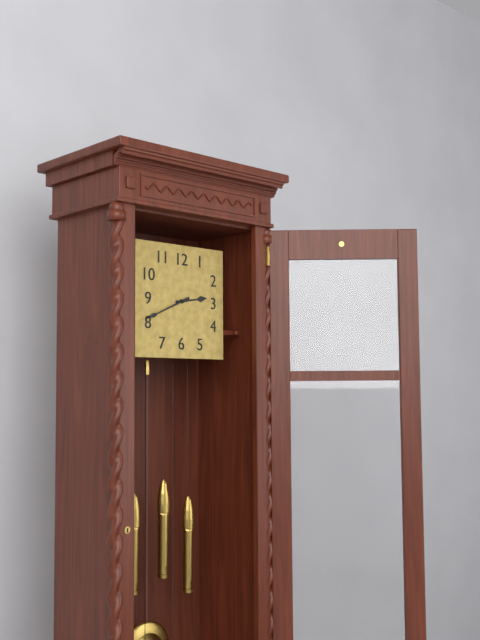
2:41
